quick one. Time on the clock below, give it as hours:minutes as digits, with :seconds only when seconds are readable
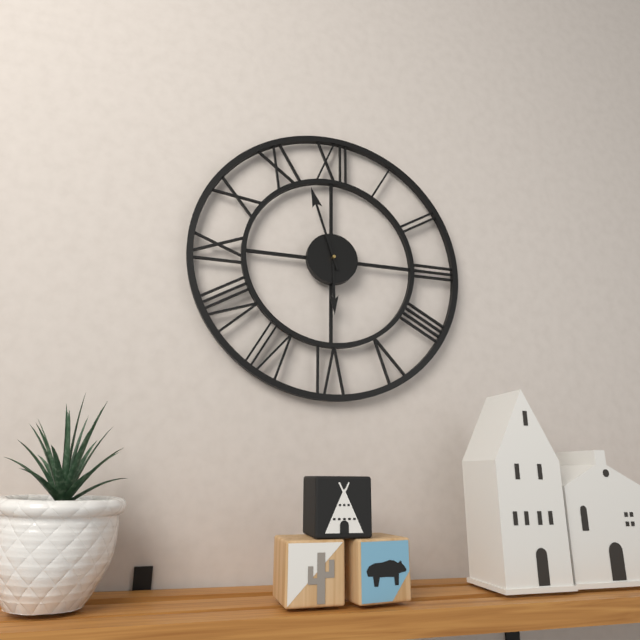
5:57
